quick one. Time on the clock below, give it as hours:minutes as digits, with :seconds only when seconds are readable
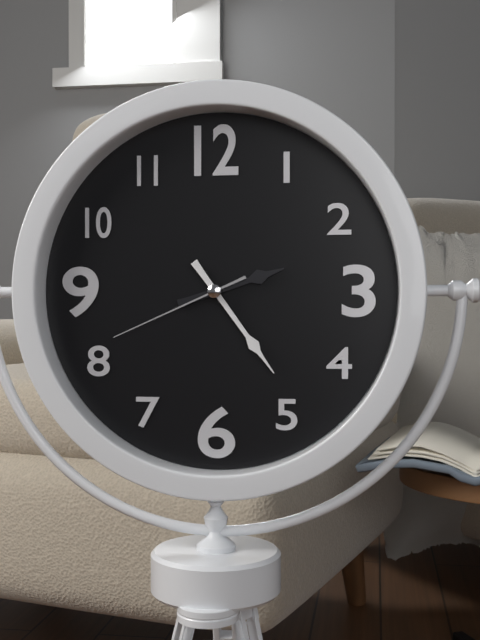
2:24:41
